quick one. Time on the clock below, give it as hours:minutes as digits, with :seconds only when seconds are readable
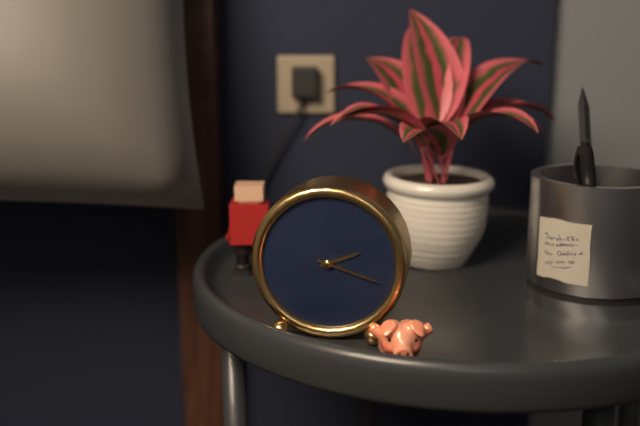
2:18
